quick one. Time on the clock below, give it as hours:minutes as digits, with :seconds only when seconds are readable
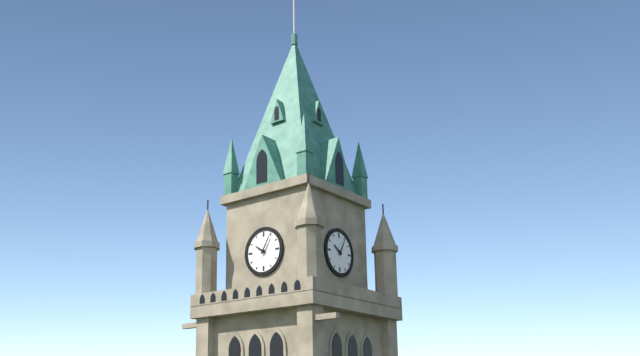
10:05
